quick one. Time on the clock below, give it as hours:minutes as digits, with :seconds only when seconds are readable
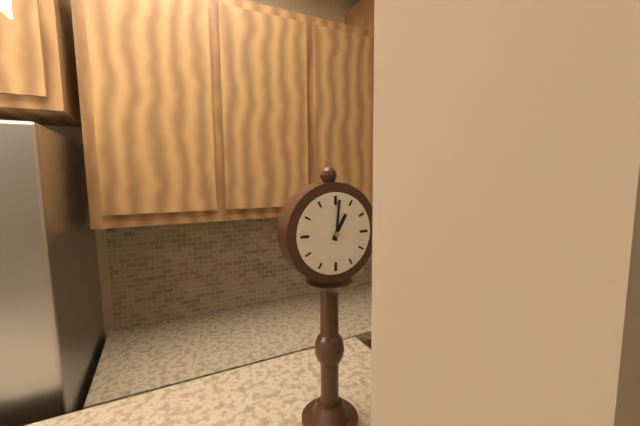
1:01
